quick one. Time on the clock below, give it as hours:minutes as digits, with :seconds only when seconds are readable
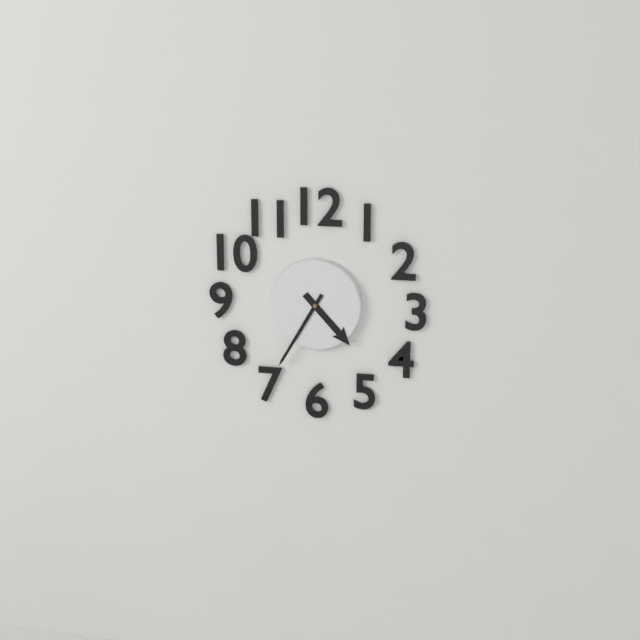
4:35
